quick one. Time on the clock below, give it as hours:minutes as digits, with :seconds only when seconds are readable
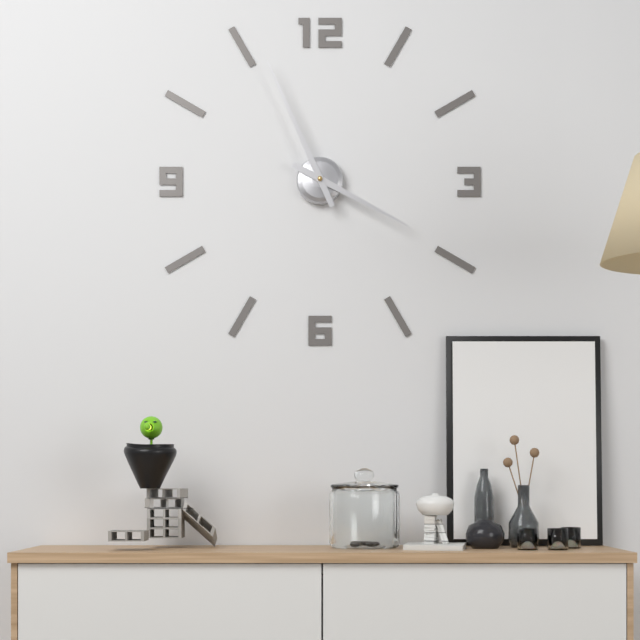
3:56
